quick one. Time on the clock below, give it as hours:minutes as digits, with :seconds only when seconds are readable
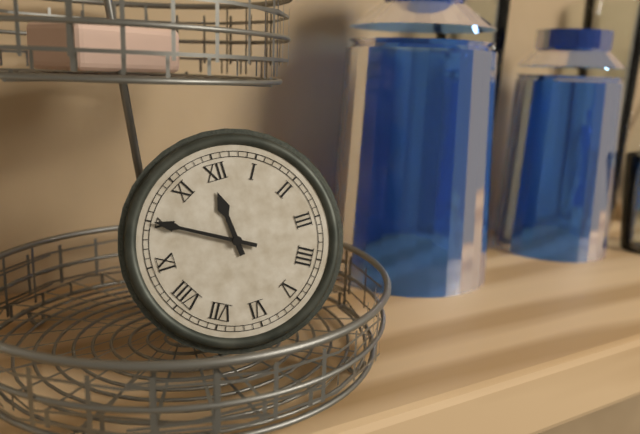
11:50
